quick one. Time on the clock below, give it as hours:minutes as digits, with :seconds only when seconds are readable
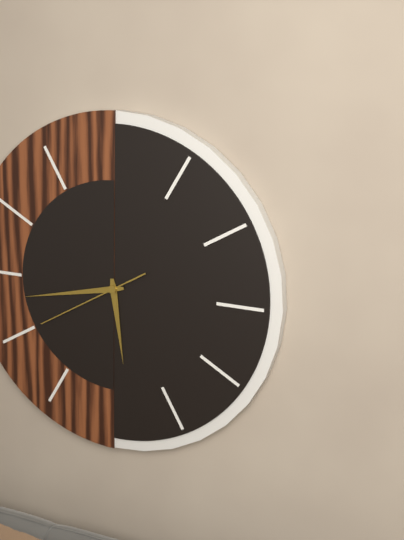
5:43:40
